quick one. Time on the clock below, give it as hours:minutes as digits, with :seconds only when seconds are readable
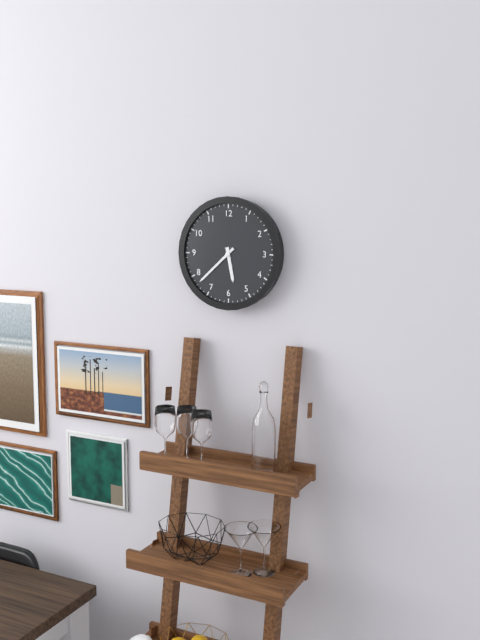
5:38
